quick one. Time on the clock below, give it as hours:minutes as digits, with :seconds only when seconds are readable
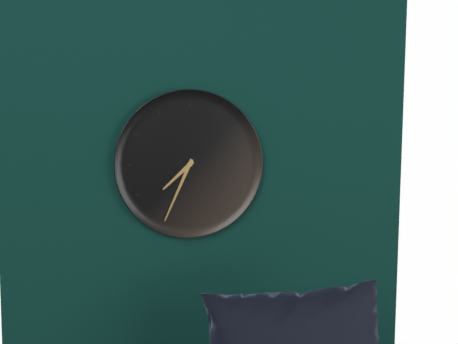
7:34
